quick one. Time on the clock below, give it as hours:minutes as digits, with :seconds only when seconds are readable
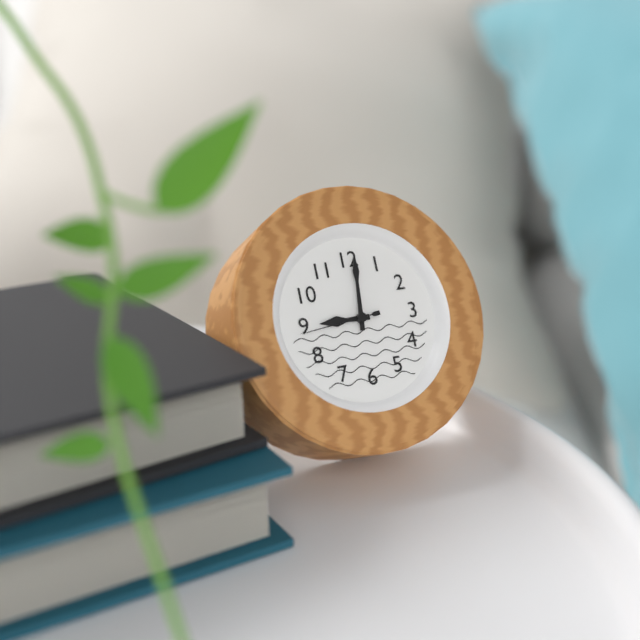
9:01:44
